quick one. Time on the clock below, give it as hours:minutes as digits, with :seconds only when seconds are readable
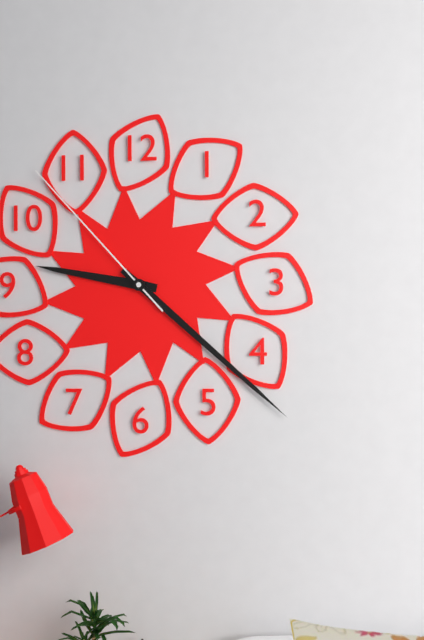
9:22:53
